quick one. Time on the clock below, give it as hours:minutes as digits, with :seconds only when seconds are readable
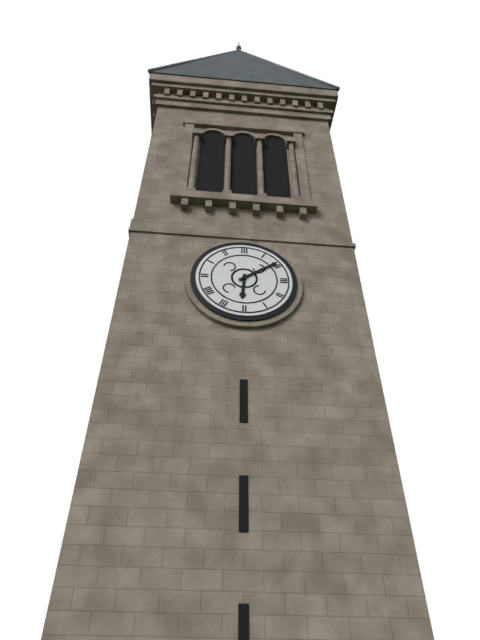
6:09
